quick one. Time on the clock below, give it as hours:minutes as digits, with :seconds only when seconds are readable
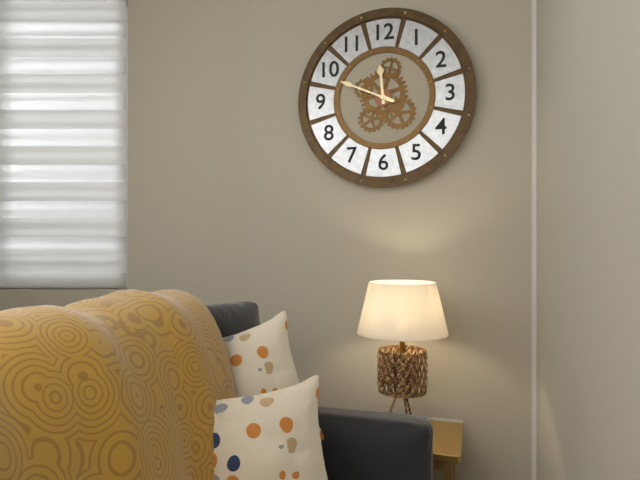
11:49
